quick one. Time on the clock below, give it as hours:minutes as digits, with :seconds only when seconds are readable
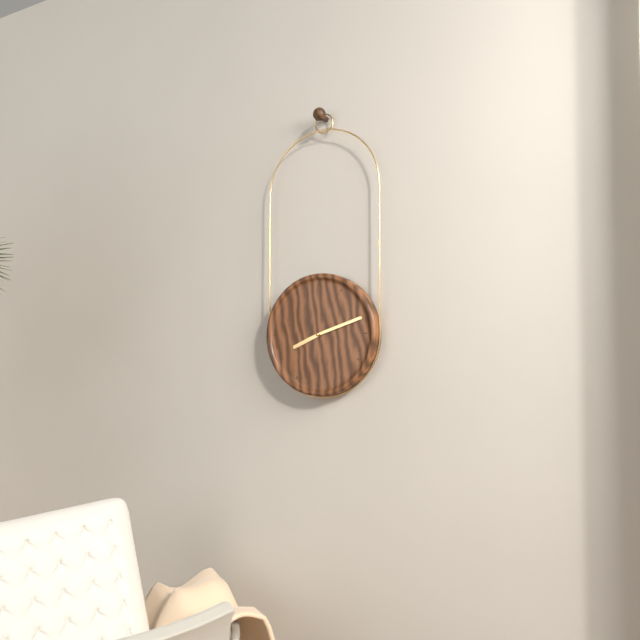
8:12
